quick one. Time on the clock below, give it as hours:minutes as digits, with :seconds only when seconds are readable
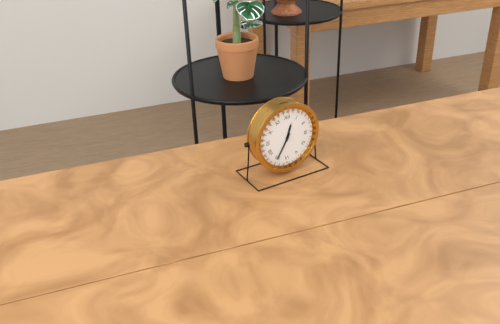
12:35
